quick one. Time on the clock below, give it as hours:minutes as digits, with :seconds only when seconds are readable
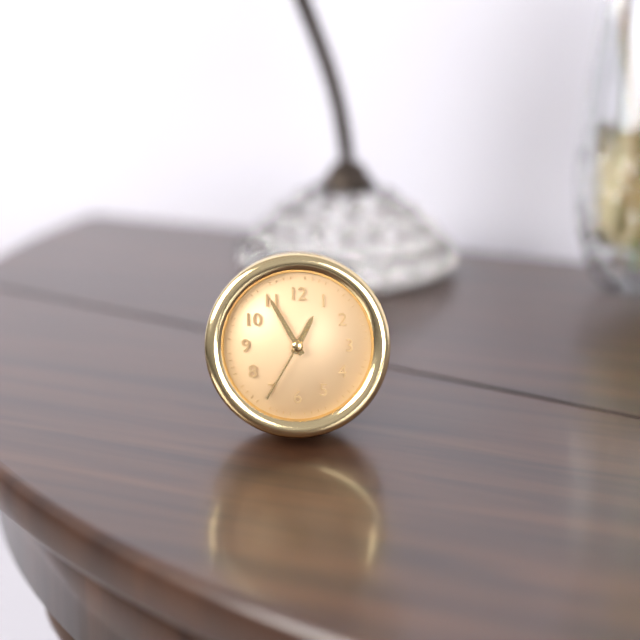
12:55:35
